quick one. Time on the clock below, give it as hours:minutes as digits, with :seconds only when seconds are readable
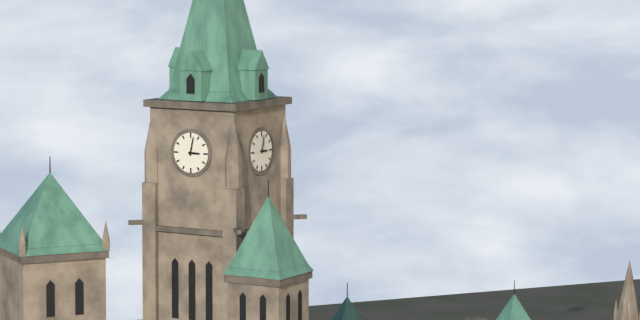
3:02
